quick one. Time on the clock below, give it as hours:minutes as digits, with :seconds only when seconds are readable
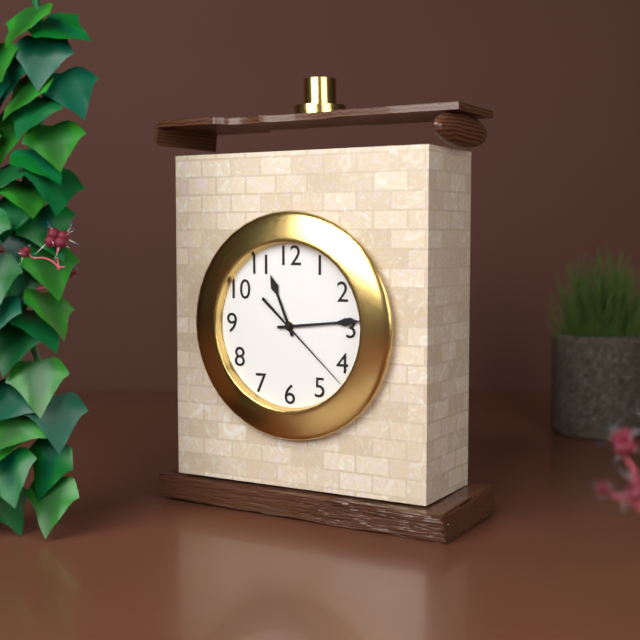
11:14:22
